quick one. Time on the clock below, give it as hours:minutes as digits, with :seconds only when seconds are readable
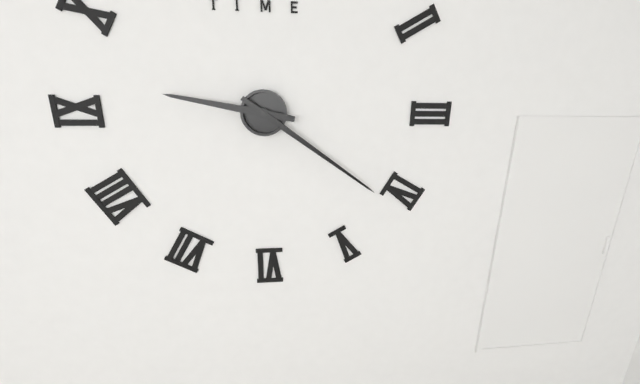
9:21
